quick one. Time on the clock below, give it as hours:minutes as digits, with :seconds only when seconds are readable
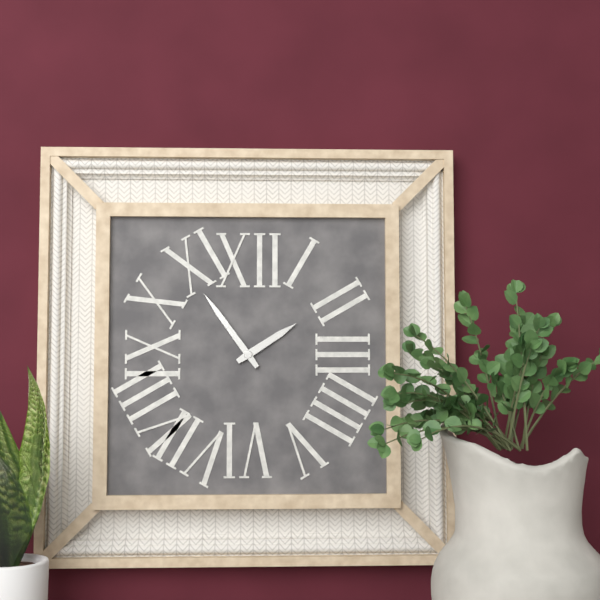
1:54
